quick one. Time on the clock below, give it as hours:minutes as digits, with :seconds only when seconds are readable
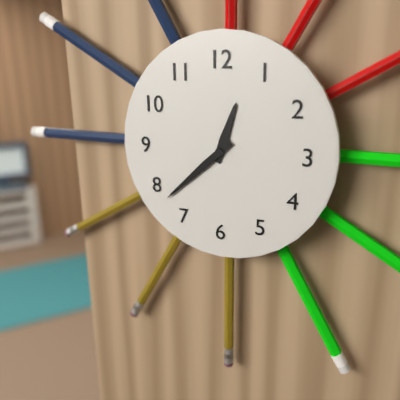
12:38
